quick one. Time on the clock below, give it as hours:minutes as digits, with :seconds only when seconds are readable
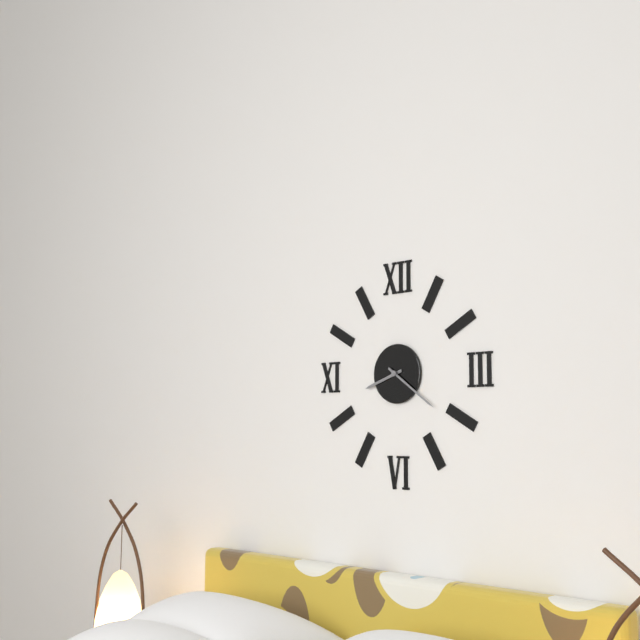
8:21
